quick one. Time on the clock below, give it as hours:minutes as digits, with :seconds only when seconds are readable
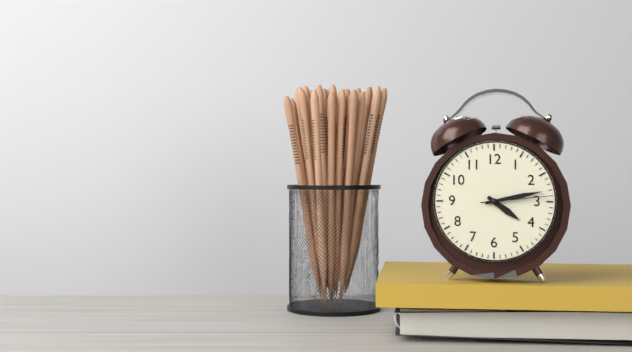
4:13:14
